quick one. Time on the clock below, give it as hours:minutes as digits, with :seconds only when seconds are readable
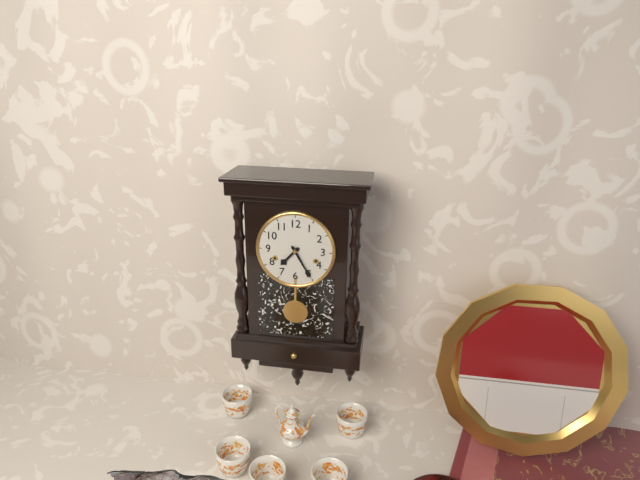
7:25
